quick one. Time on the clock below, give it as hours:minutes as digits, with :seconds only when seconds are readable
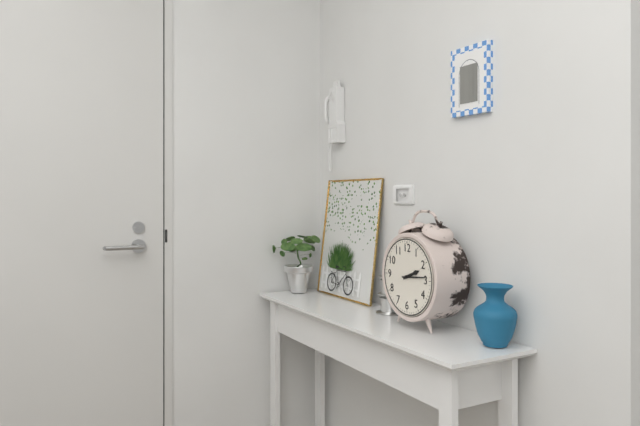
2:14
